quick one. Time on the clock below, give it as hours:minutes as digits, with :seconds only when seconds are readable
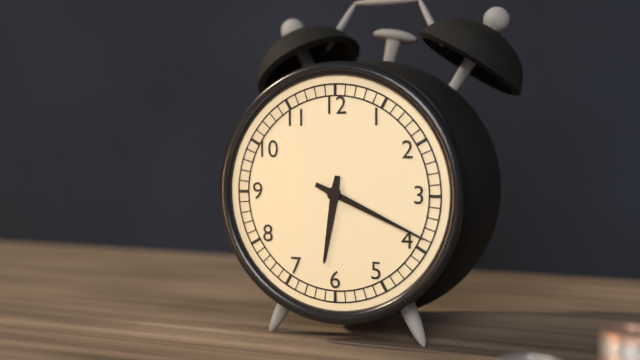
6:19
